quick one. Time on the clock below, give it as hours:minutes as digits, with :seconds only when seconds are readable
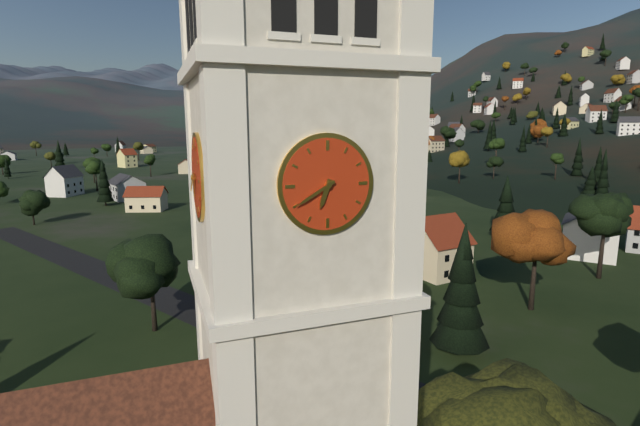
6:40
